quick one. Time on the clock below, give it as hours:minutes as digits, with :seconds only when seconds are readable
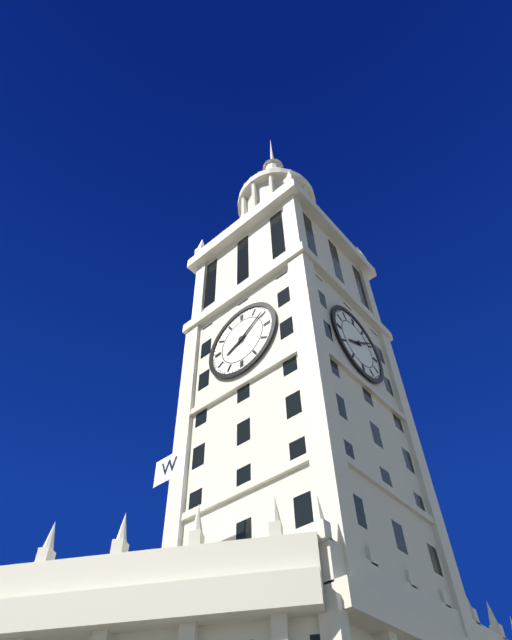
8:09
